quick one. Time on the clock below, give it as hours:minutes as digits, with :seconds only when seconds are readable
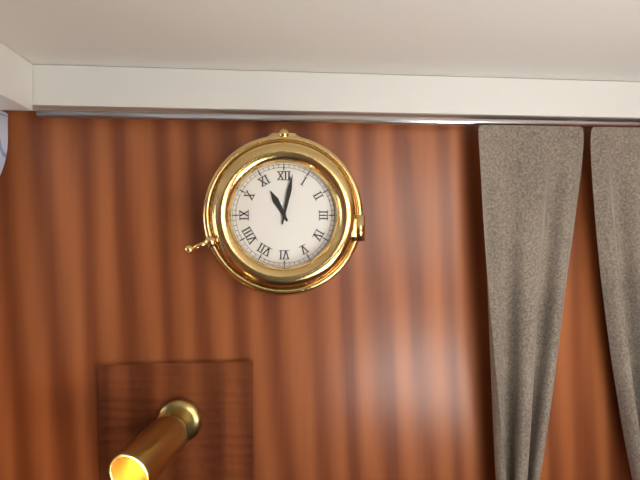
11:02
